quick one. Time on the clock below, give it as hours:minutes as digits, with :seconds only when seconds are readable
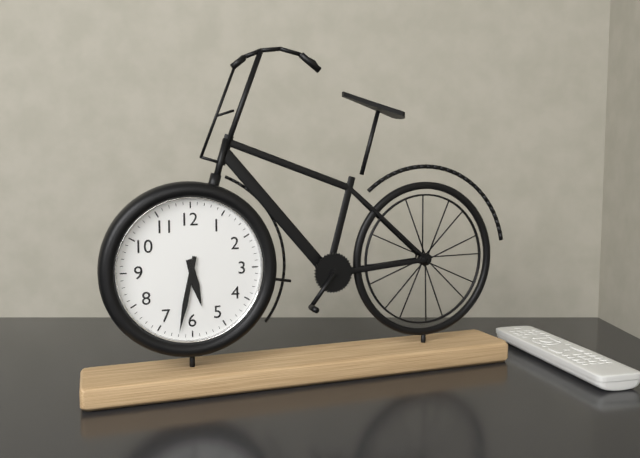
5:32
